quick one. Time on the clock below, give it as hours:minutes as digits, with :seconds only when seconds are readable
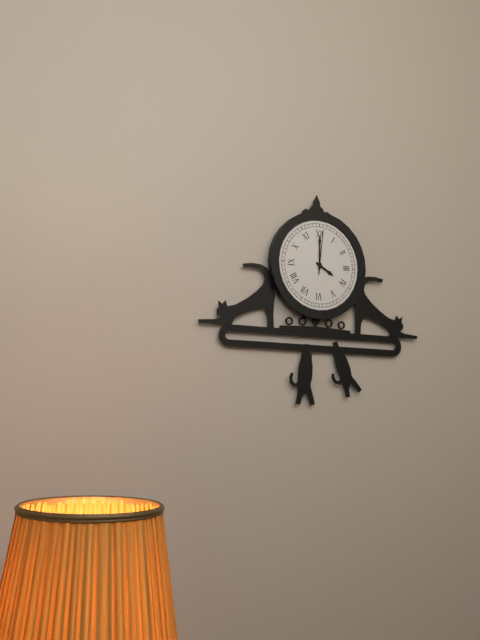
4:00
